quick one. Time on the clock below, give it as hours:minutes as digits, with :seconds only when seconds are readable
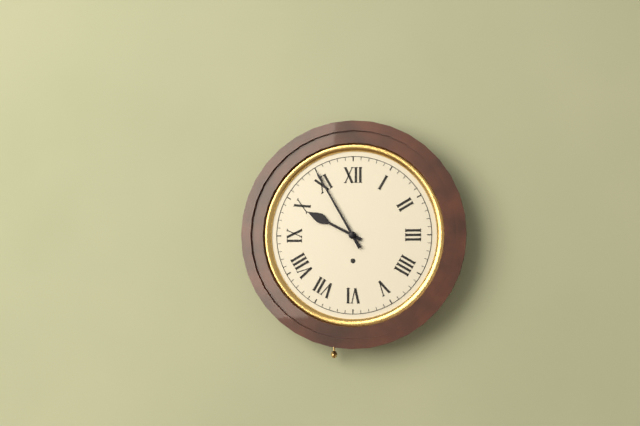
9:55
